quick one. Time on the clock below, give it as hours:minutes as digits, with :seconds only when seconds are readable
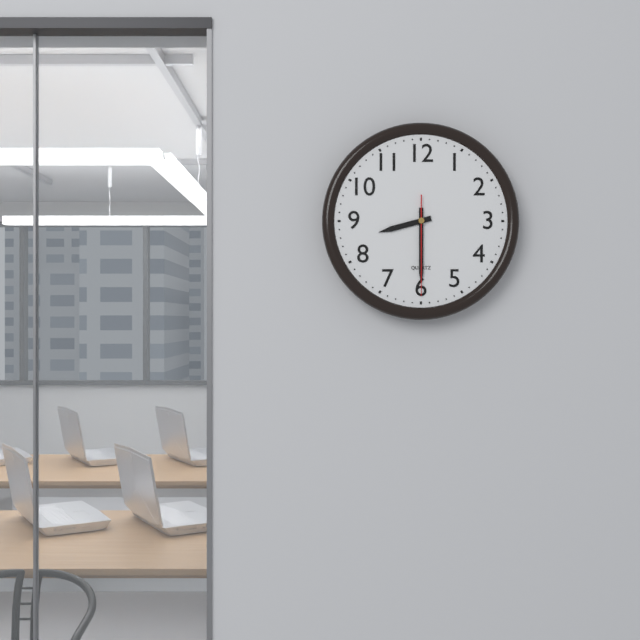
8:30:30
